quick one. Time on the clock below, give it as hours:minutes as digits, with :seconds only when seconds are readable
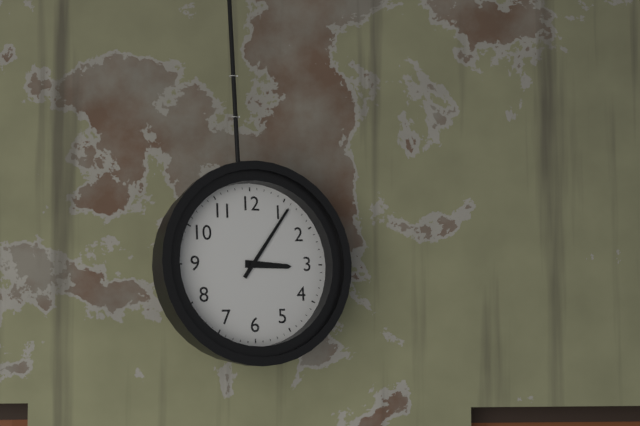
3:06
